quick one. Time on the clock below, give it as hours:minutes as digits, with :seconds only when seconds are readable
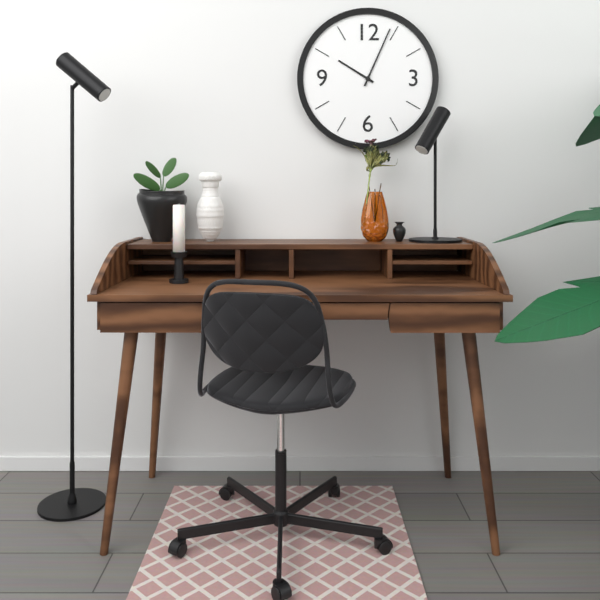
10:04
